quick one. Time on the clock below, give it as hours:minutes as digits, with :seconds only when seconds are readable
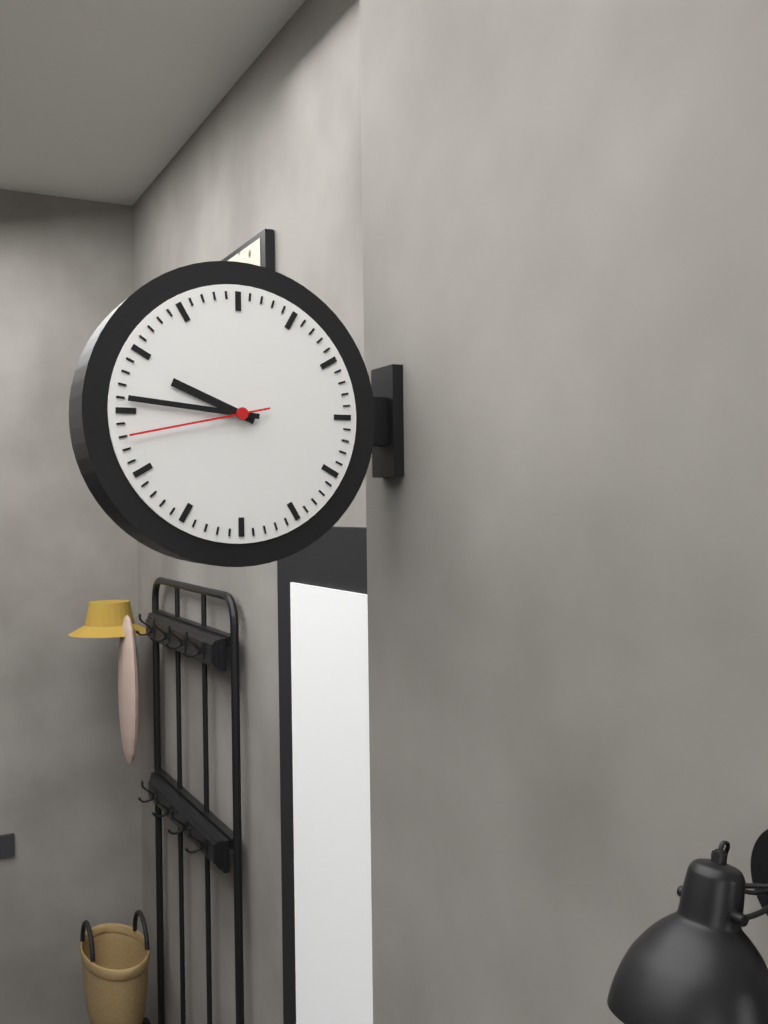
9:46:43
